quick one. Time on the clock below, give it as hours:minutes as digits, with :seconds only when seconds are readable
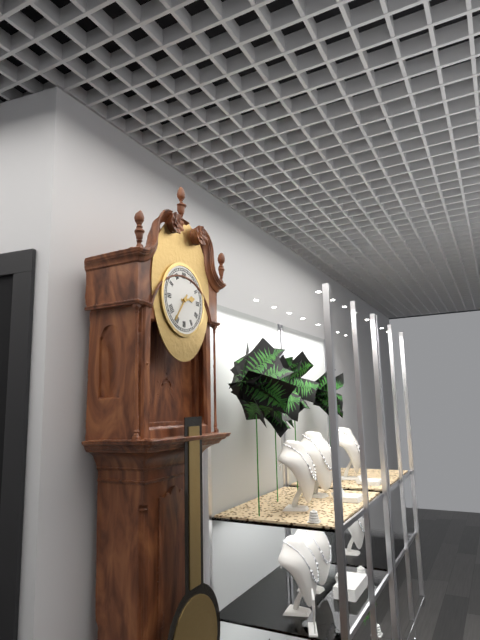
2:36
